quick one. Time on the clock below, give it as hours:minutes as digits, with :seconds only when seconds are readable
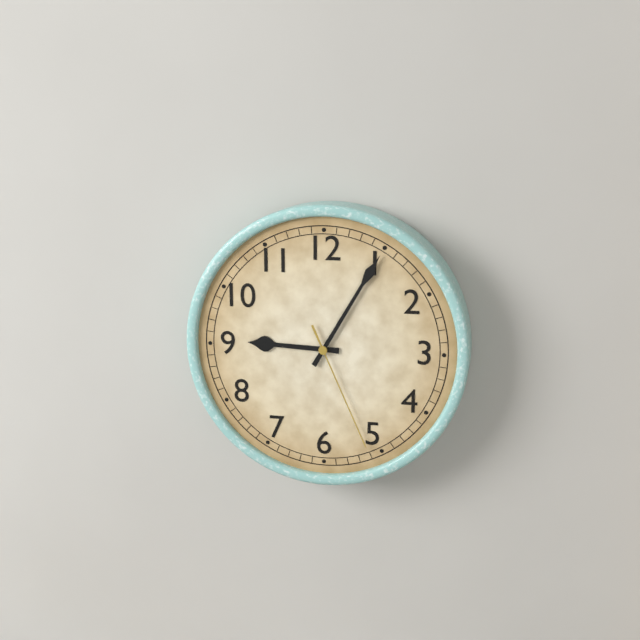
9:05:26
